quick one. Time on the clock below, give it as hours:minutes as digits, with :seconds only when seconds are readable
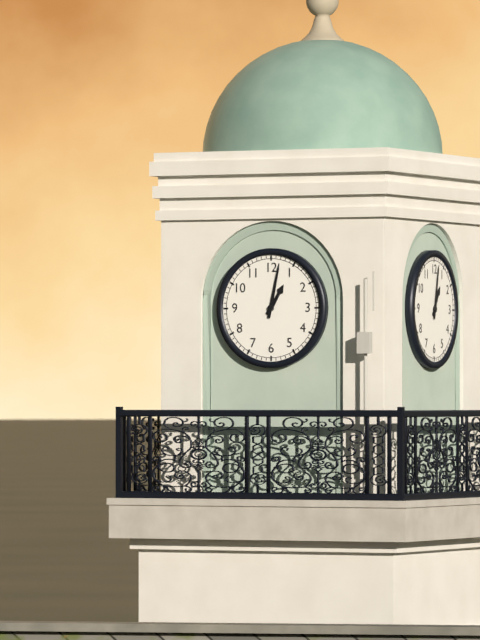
1:02
